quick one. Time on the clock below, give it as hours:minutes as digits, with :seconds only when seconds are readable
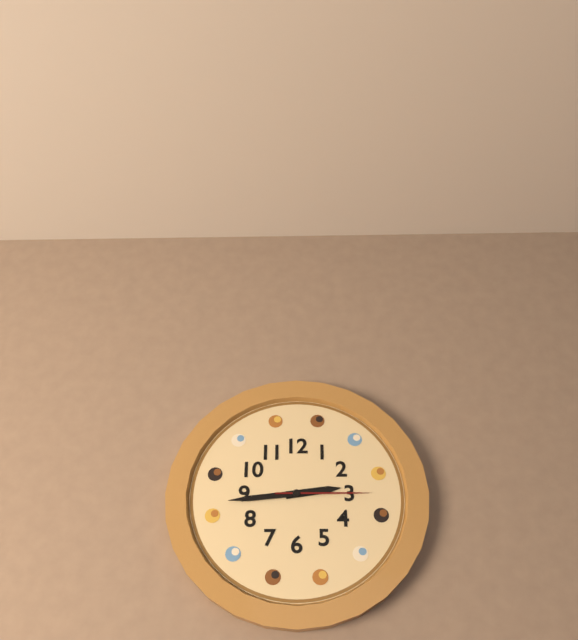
2:44:15
